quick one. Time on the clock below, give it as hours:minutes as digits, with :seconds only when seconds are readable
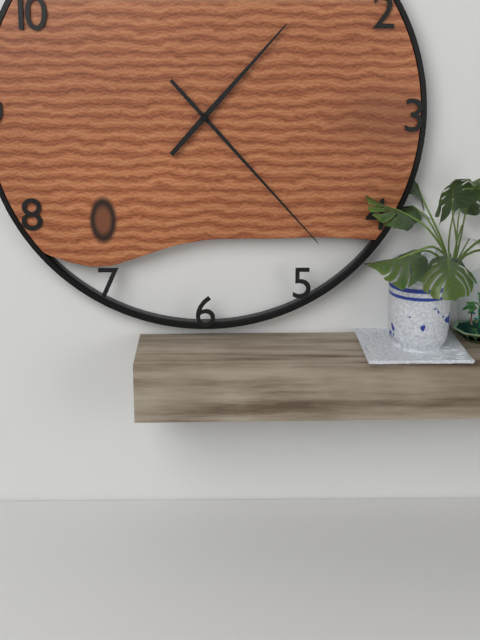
1:23
